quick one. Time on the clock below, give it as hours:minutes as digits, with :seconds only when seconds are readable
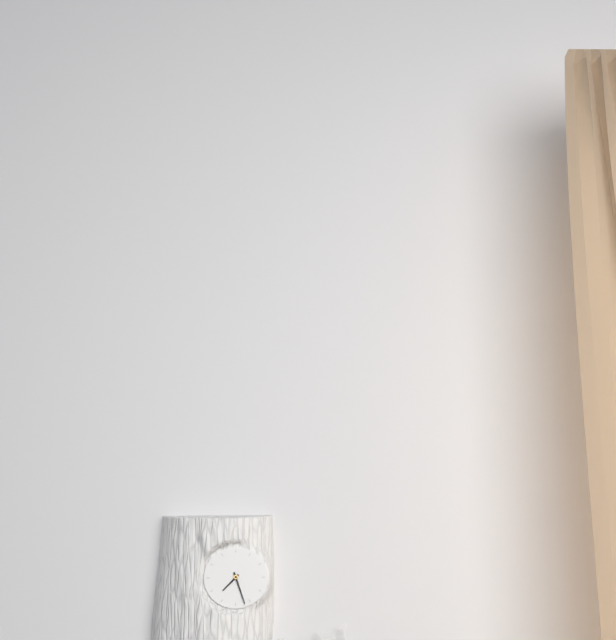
7:27
